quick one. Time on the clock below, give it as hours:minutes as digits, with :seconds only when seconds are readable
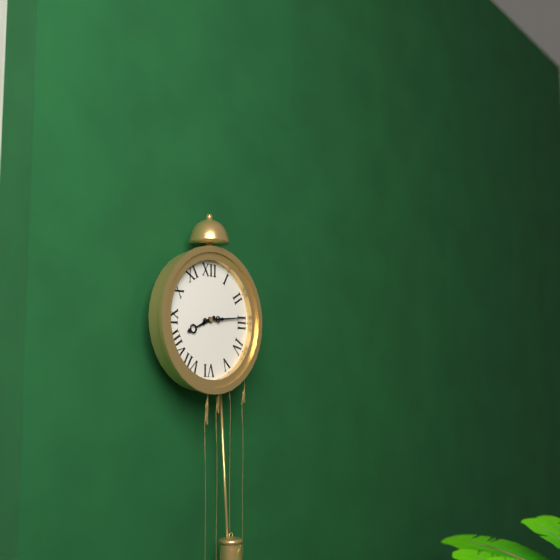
8:14
